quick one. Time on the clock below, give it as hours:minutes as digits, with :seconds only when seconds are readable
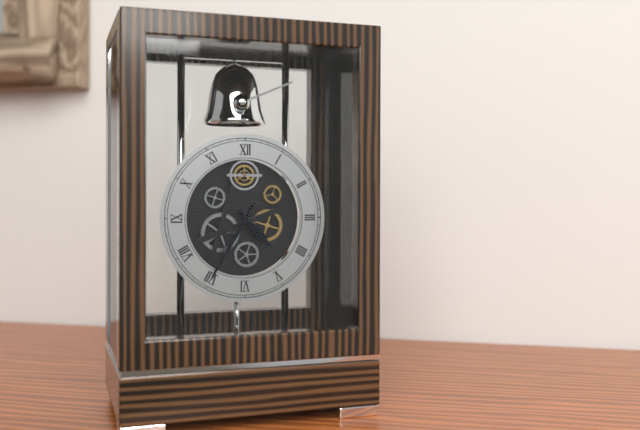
4:35
